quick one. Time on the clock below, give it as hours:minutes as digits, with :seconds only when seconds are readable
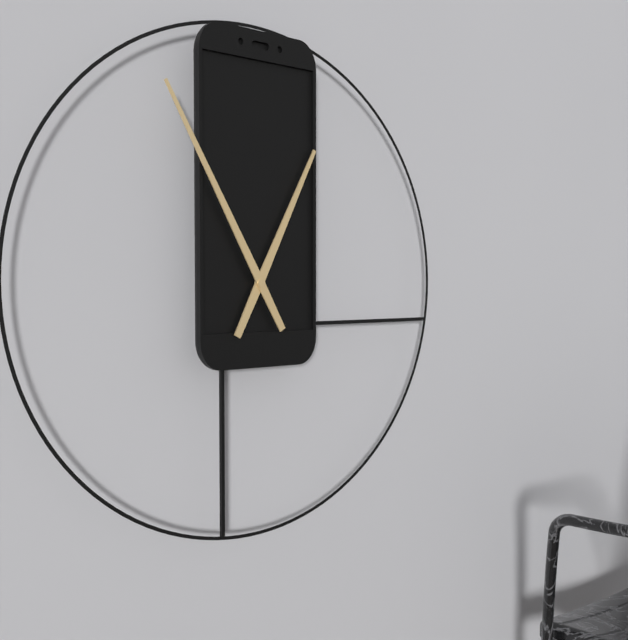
12:55
